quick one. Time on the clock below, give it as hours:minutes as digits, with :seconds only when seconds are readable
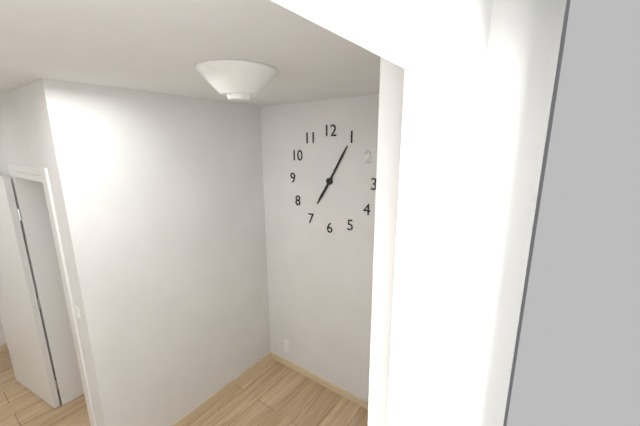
7:05
